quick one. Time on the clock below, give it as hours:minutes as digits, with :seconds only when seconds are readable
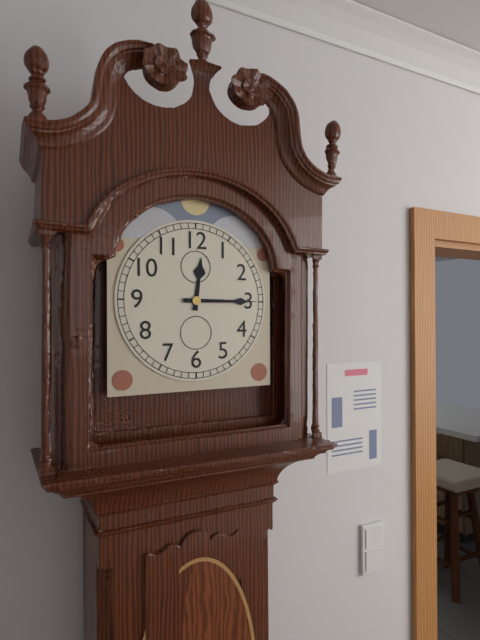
12:15
